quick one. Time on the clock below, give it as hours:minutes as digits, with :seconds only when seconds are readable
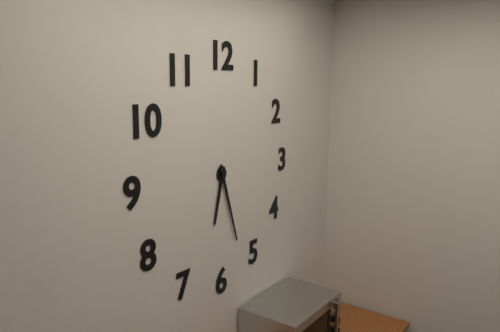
6:27
